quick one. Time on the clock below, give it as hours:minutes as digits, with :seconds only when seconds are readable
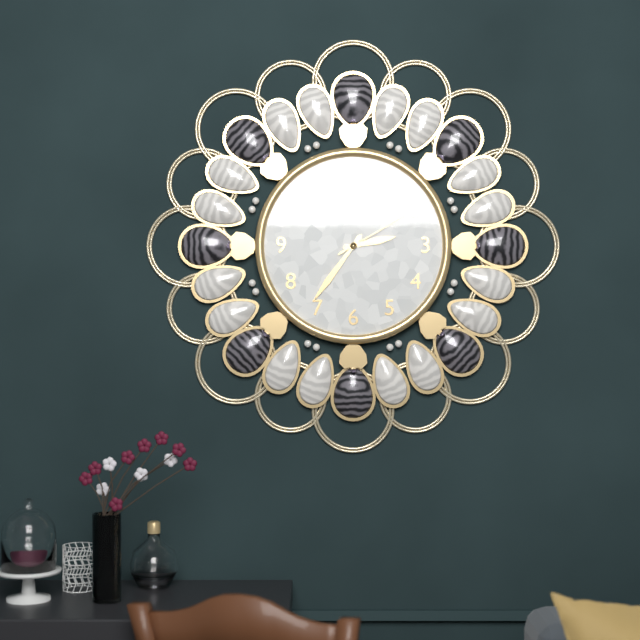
2:36:10
